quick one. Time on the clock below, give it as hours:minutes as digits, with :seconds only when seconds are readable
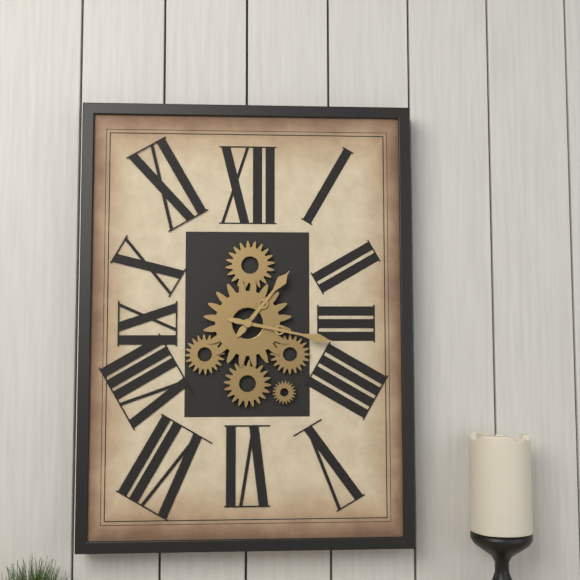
1:17
